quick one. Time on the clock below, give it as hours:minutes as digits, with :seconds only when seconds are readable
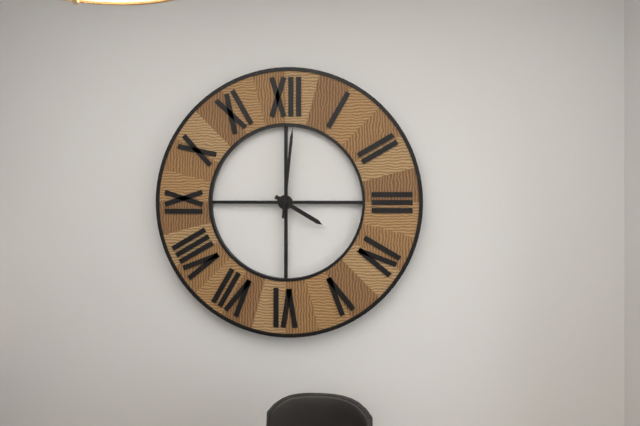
4:01
